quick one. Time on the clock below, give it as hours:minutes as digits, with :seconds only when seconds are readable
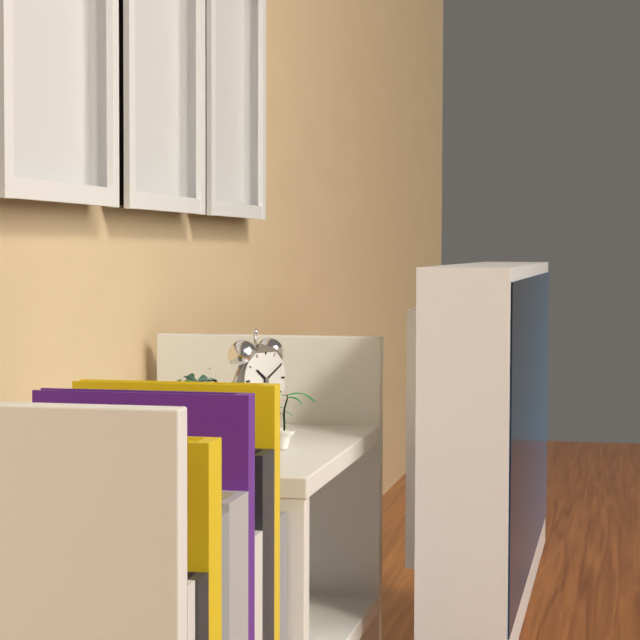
10:10
